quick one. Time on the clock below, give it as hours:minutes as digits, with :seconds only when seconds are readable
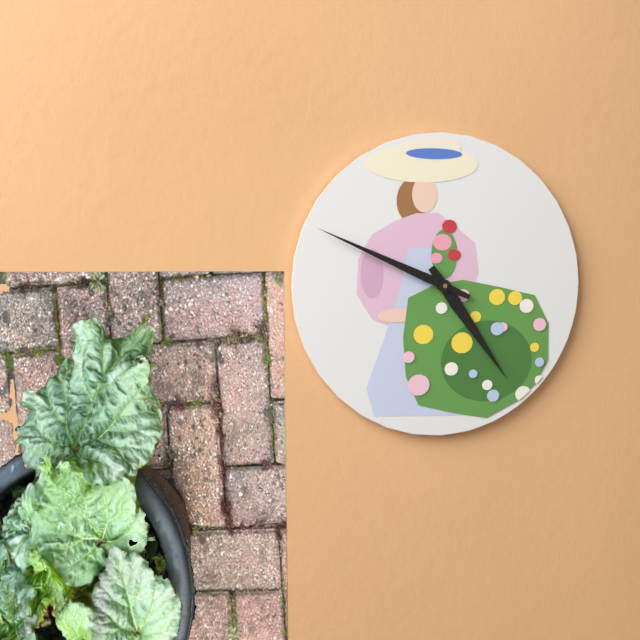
4:49
